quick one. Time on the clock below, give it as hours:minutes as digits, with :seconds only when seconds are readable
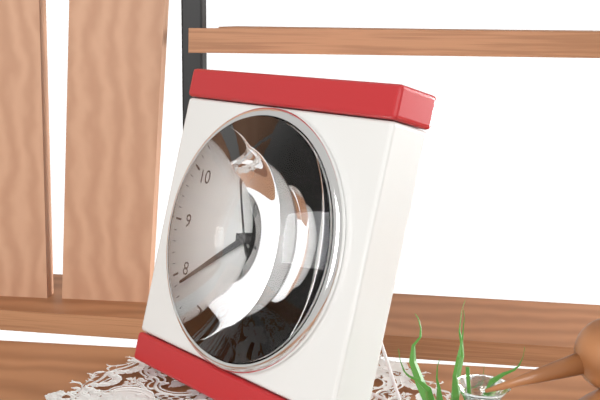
2:39:56
